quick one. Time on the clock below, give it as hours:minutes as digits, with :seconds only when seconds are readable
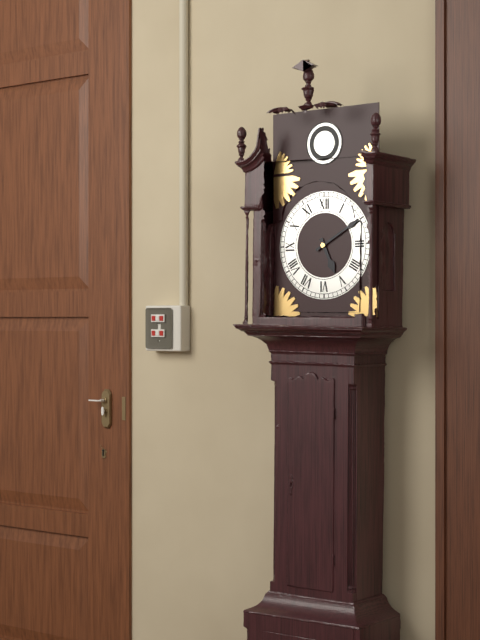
5:10
